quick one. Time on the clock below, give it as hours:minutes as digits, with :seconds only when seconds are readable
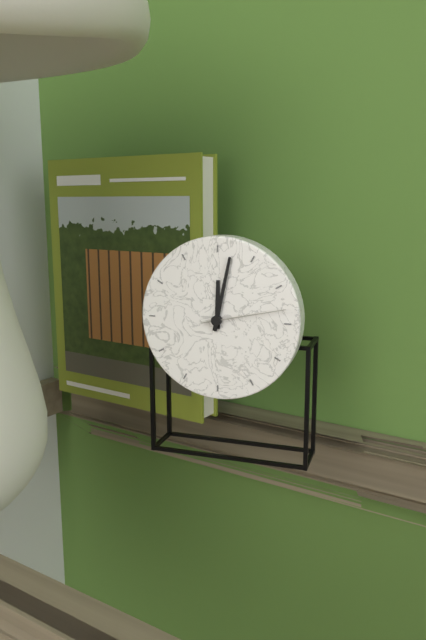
12:02:13
